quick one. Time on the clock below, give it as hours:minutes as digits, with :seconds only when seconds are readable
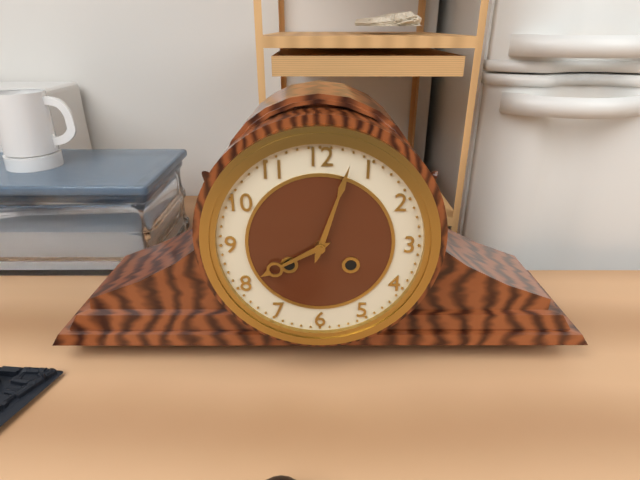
8:03
